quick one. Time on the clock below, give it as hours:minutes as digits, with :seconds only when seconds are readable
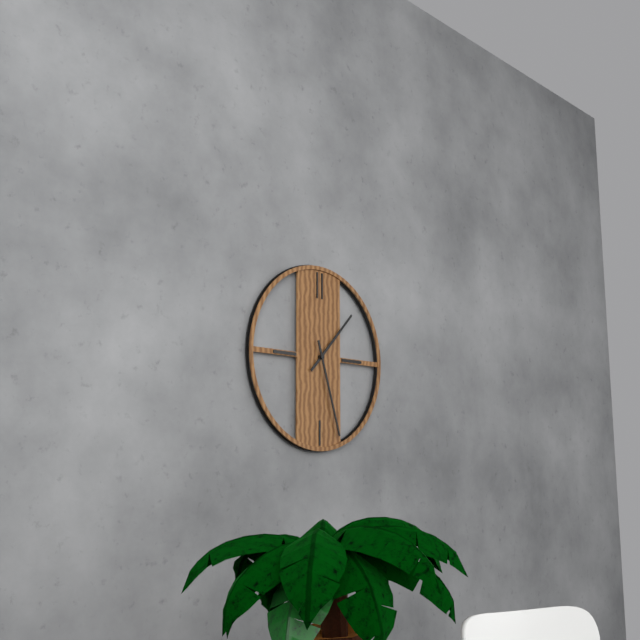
1:27
